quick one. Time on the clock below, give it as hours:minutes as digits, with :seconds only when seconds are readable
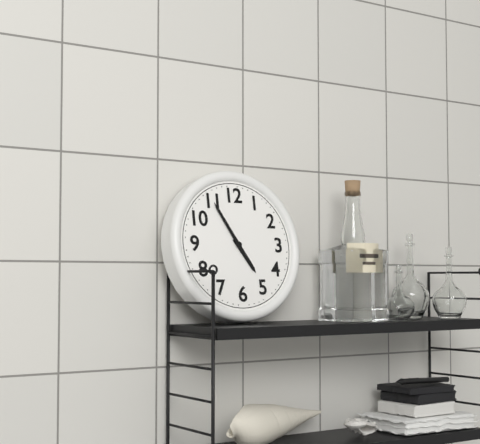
4:55
